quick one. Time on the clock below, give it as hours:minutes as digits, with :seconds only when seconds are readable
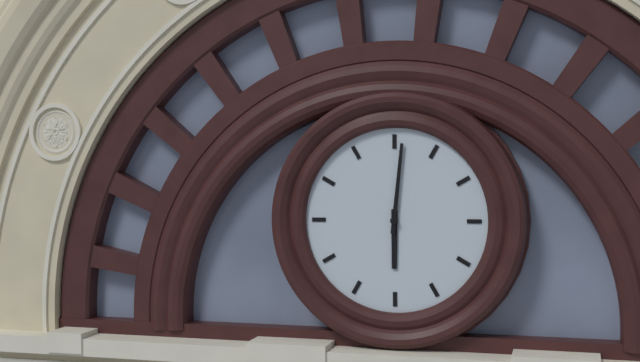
6:01
